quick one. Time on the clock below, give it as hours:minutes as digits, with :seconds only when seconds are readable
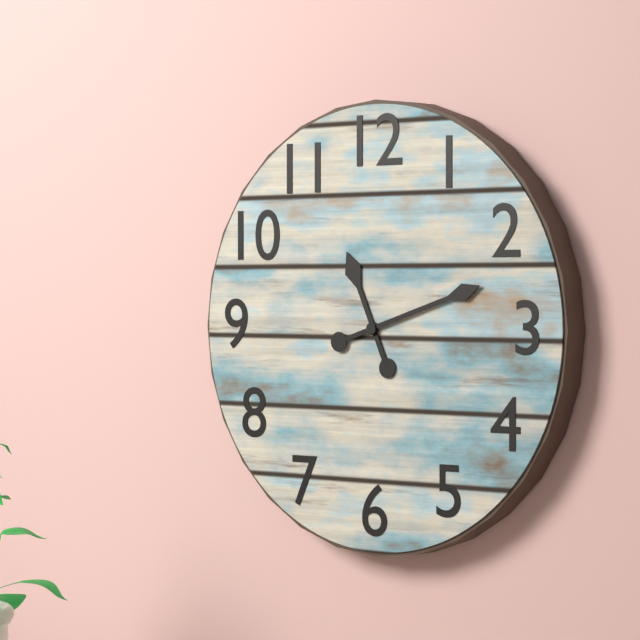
11:12
